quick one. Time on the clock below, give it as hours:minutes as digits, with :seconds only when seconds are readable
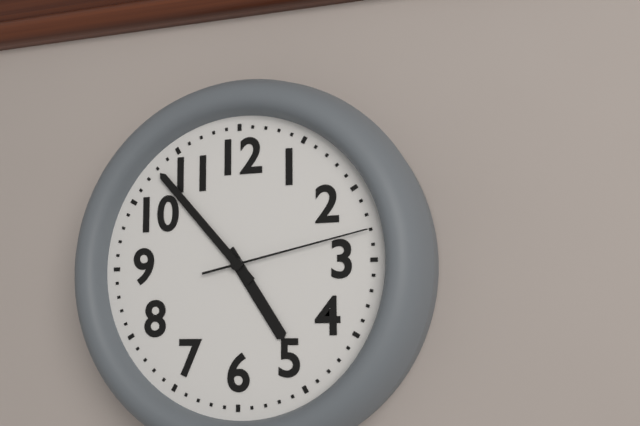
4:53:13
